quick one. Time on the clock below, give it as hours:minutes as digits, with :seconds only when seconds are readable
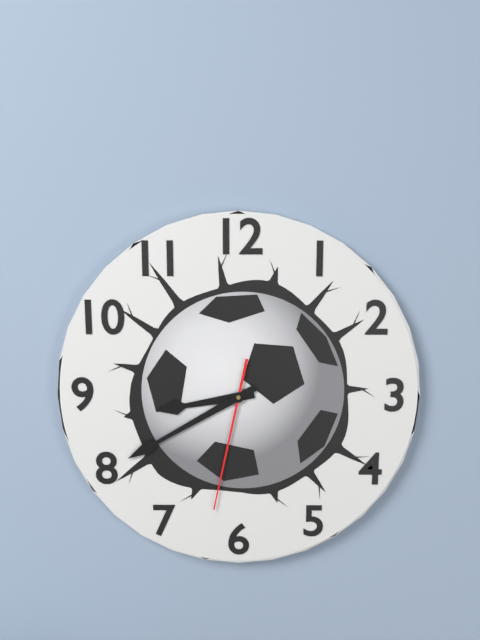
8:40:32
